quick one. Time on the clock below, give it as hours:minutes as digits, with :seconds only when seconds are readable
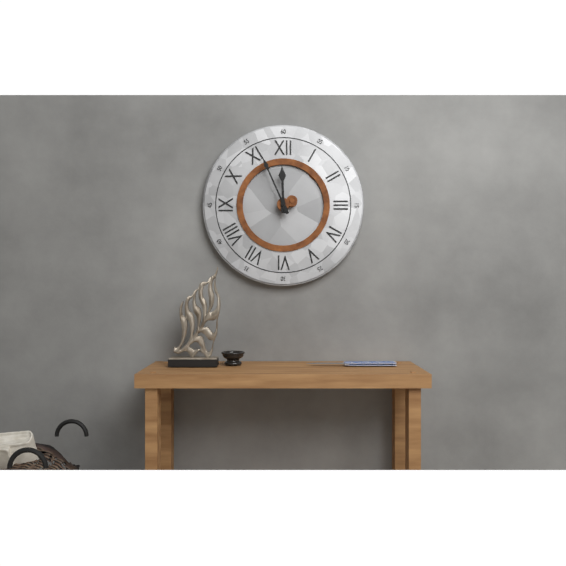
11:56
